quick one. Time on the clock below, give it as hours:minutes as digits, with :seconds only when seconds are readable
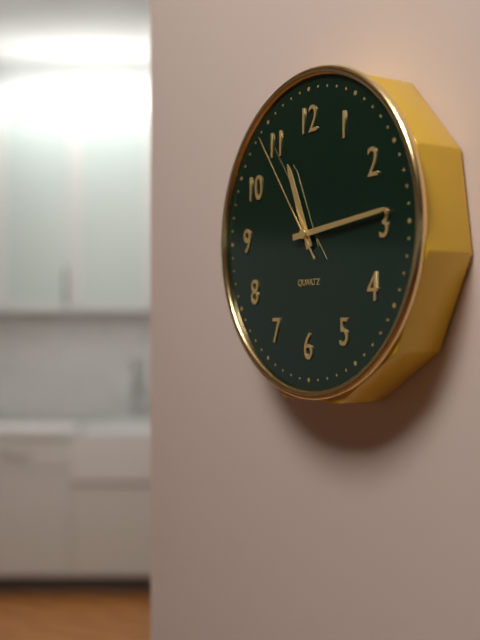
11:14:54
